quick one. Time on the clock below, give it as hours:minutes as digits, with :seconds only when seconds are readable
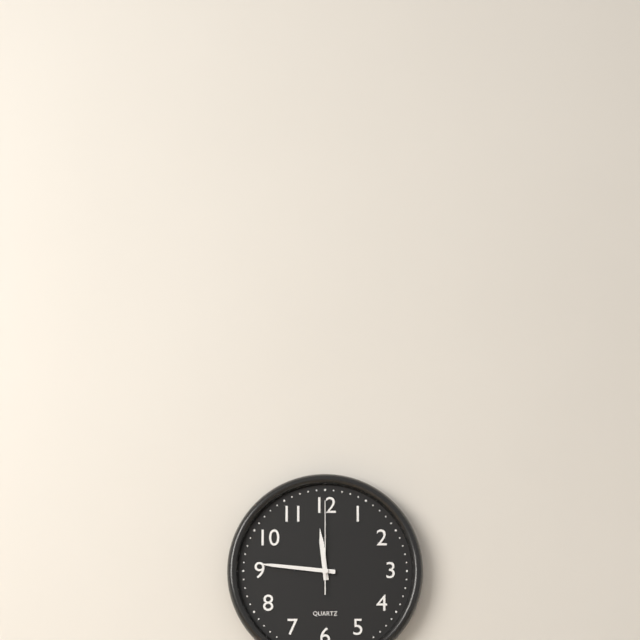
11:46:00
